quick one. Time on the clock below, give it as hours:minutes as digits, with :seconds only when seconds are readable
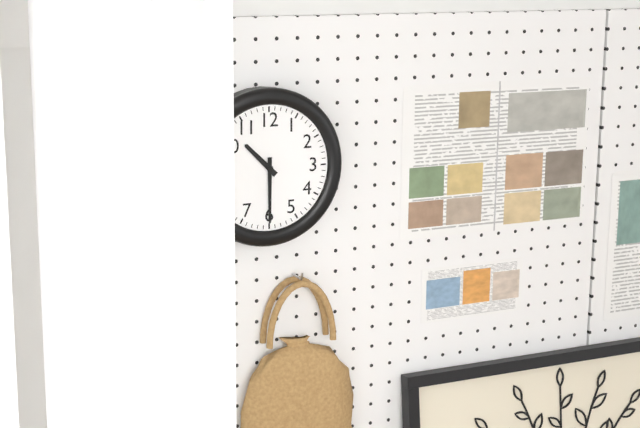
10:30
